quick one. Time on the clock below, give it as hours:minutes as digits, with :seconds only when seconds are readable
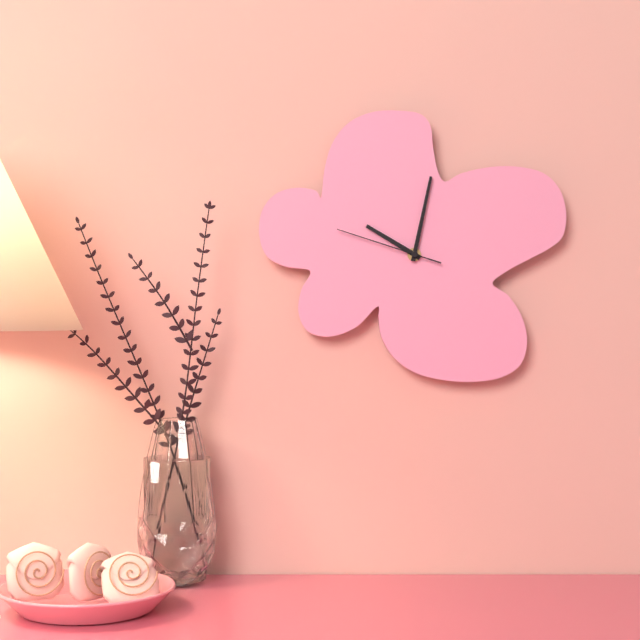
10:02:48
